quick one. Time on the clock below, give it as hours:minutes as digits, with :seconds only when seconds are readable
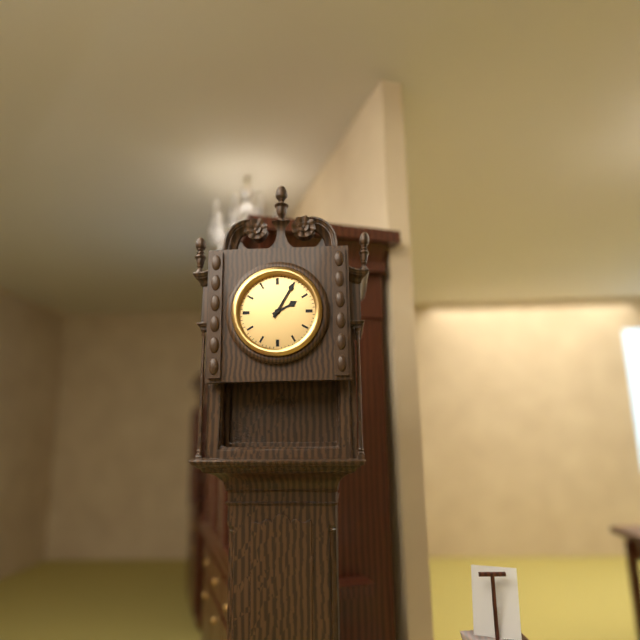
2:05
